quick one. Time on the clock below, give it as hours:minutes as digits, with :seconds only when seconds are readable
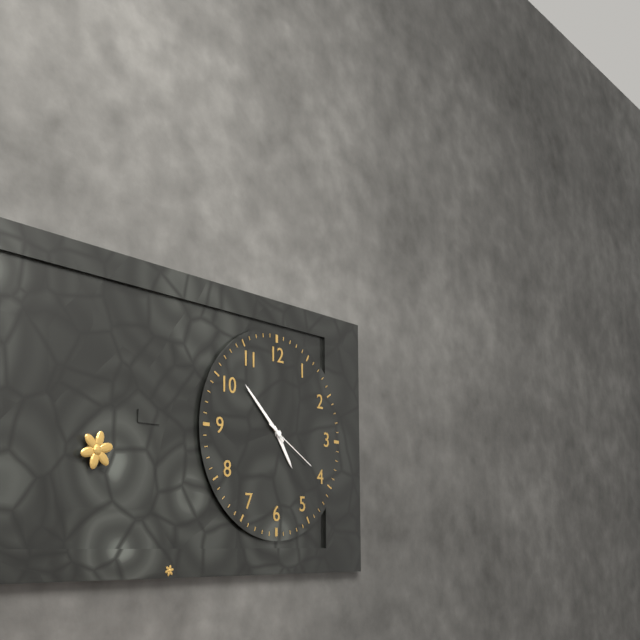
4:52:20
